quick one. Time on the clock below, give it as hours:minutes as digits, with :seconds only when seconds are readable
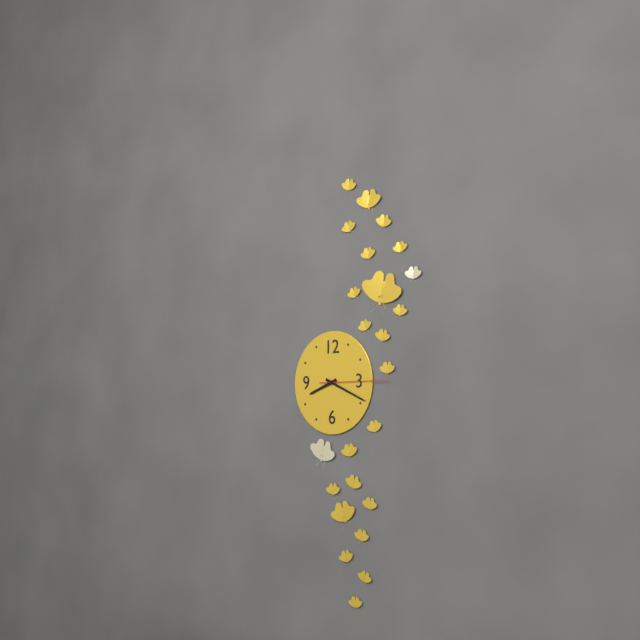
8:19:15
